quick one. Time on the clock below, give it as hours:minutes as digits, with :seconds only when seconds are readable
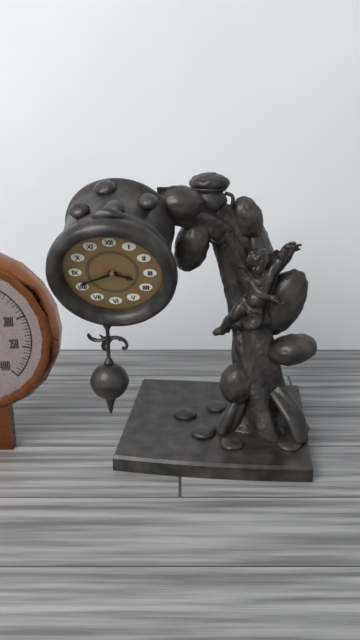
3:41
